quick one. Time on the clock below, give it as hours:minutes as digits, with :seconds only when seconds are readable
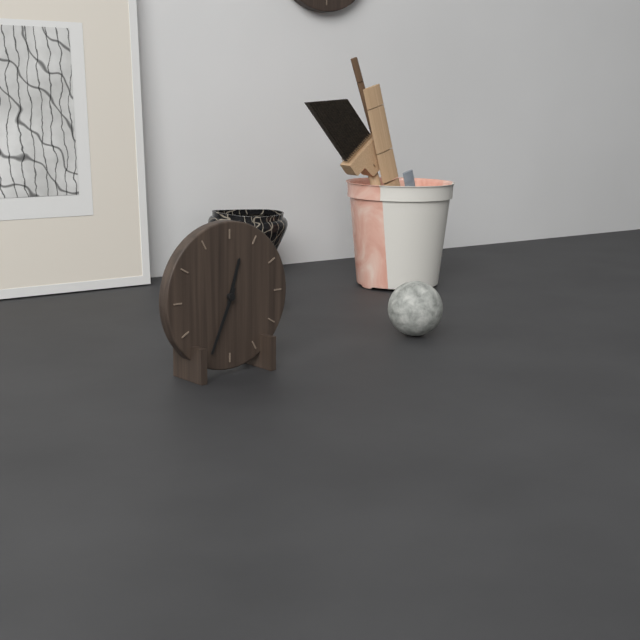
12:34
